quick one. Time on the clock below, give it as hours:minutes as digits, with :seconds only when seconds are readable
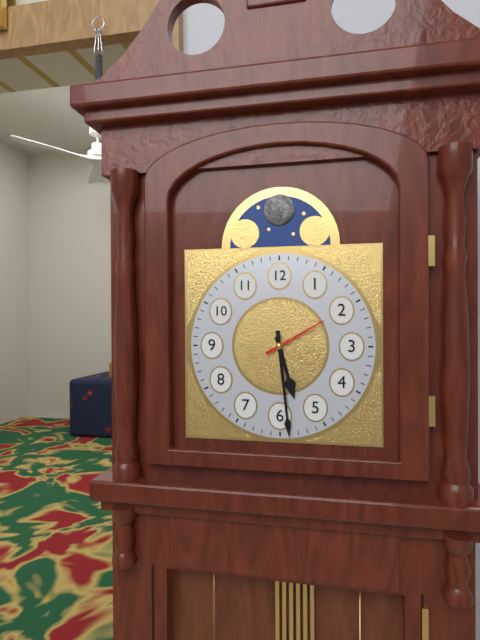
5:29:10
